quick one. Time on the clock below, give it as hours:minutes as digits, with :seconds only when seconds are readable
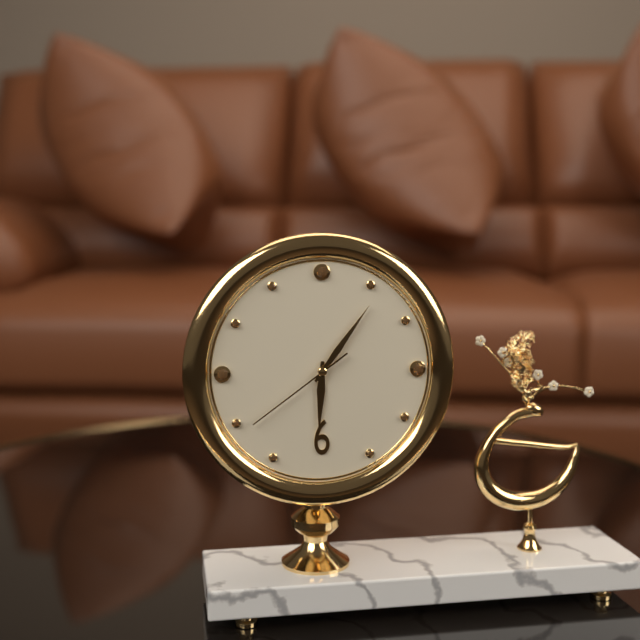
6:06:39
